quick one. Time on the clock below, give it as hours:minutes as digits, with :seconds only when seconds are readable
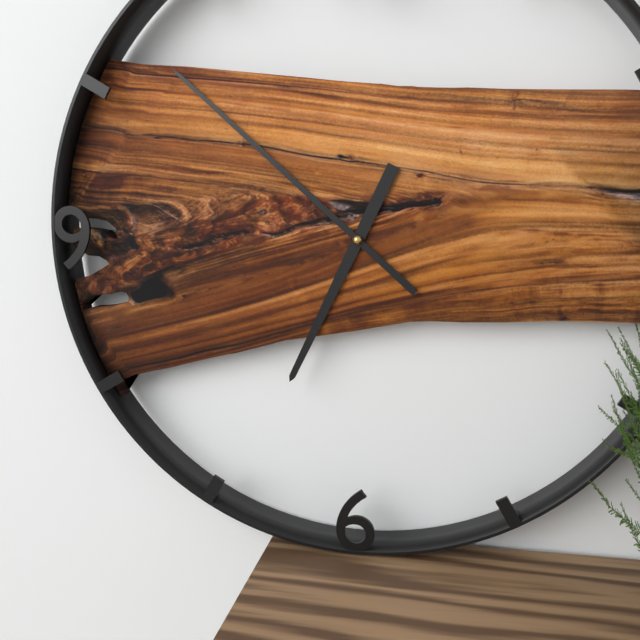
6:52
